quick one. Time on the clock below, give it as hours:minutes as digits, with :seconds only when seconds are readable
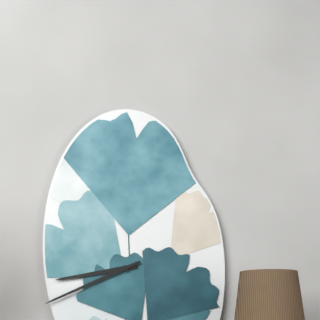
8:41
